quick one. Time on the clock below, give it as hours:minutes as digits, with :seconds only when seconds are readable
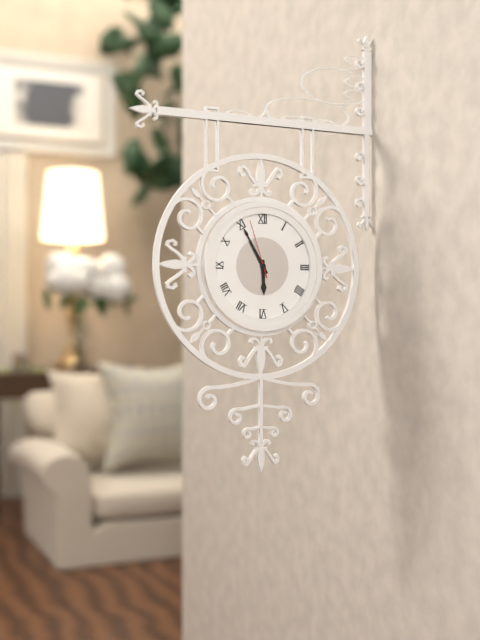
5:55:57
